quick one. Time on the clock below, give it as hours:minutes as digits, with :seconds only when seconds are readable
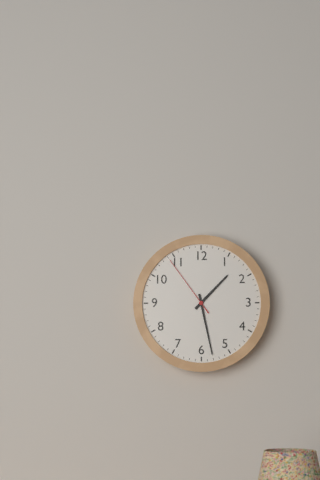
1:28:54
